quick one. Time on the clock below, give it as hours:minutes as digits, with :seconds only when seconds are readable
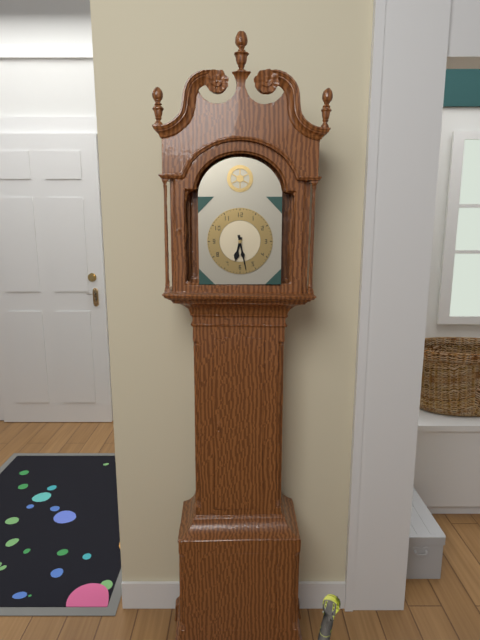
6:28
